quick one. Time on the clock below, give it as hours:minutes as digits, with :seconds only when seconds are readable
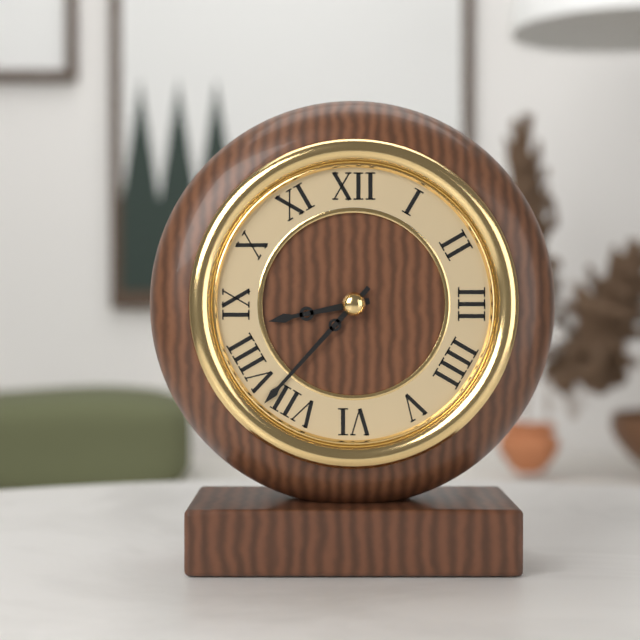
8:37
